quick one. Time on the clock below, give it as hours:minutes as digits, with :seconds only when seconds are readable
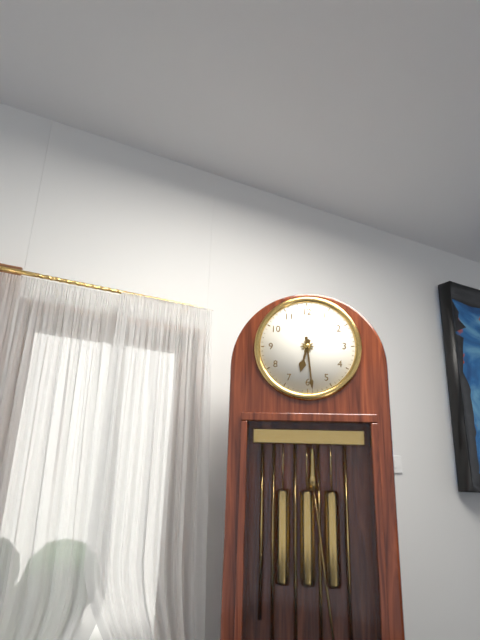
6:29
